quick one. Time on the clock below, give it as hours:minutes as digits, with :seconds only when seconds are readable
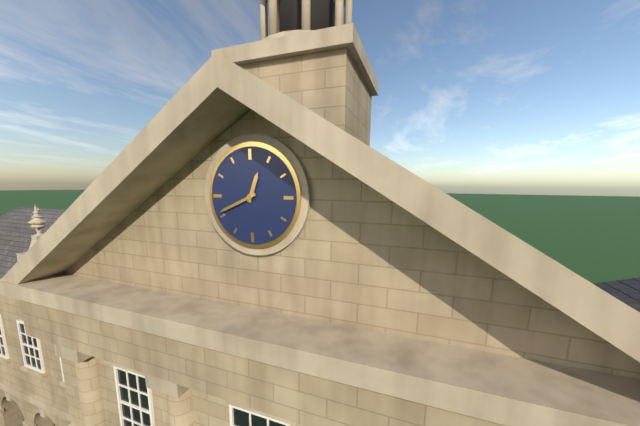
12:41
